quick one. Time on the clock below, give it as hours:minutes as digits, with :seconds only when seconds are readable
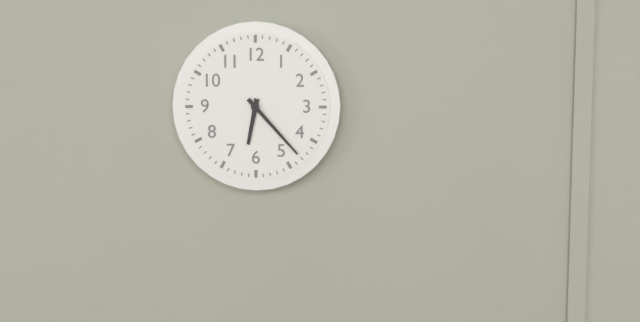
6:23
